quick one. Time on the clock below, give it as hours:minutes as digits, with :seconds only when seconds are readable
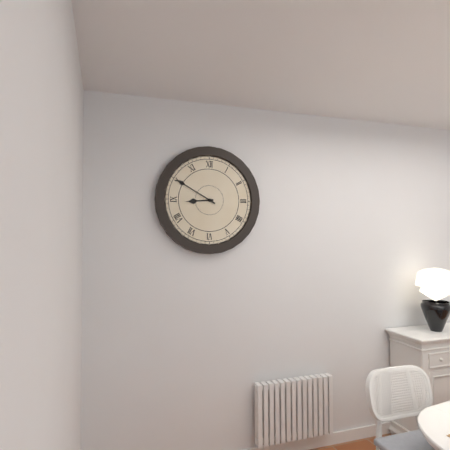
8:50
